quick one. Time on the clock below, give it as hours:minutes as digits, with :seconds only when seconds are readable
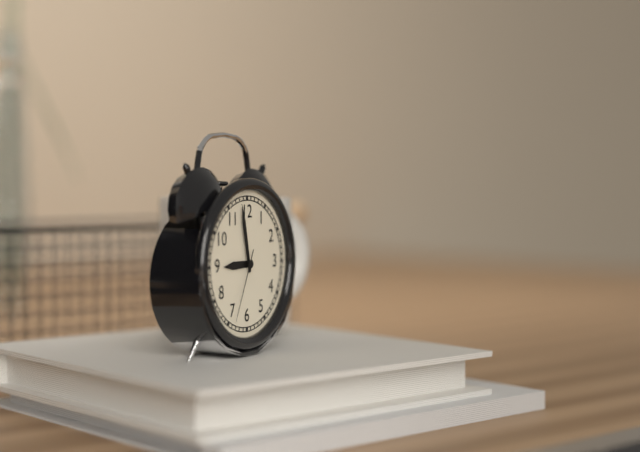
8:58:34
